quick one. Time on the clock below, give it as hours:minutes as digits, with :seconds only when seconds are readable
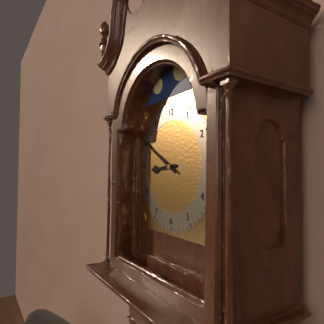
8:50
